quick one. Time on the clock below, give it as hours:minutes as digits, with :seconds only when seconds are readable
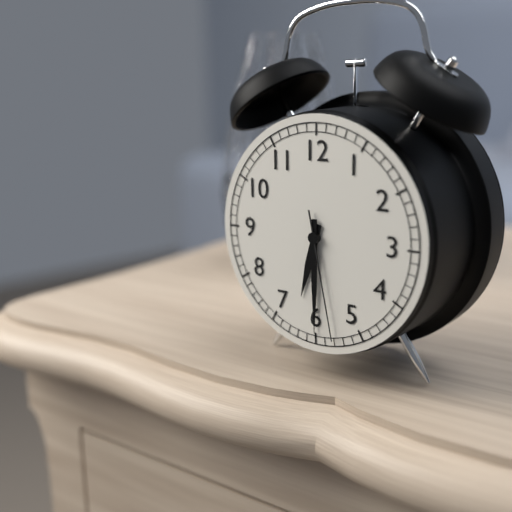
6:30:28
